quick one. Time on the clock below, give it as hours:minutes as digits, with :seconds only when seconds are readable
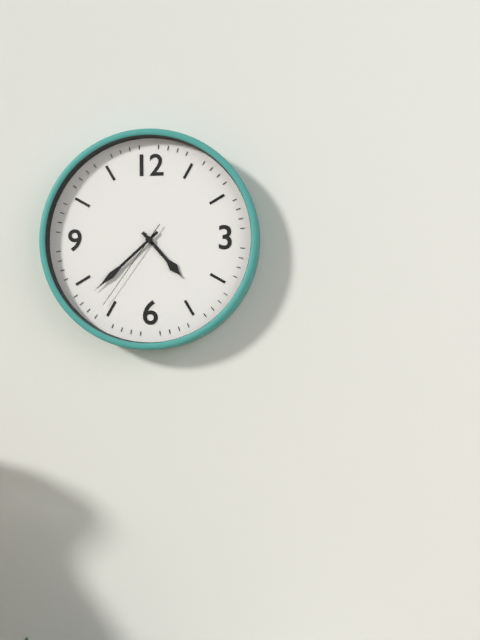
4:38:36
